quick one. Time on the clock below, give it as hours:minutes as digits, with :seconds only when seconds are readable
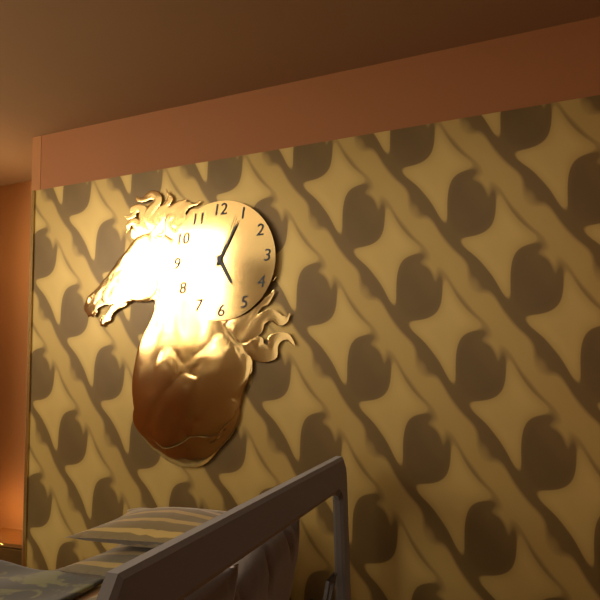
5:05:04
